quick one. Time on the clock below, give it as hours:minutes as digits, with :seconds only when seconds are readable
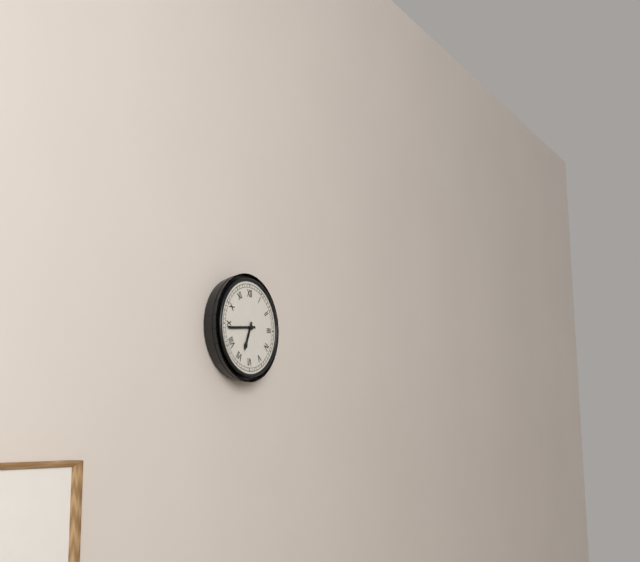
6:44
